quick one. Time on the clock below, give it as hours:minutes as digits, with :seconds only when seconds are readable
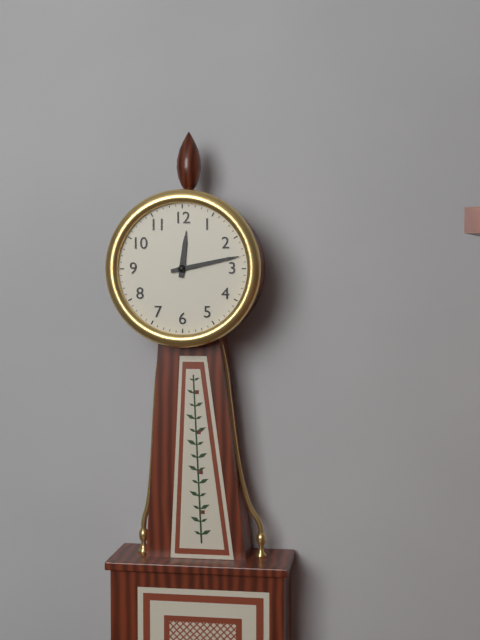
12:13
